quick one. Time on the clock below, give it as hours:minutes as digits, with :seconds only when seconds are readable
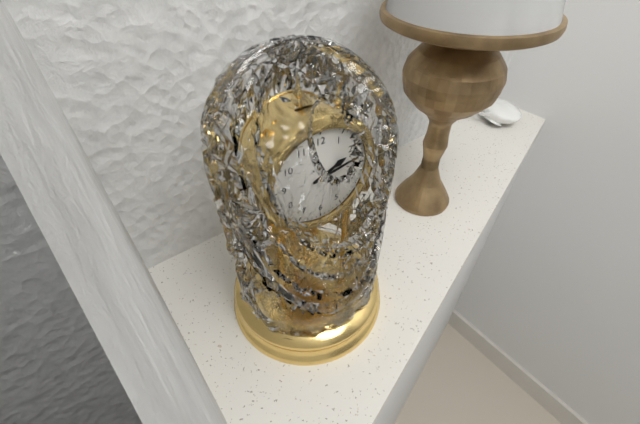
2:13
